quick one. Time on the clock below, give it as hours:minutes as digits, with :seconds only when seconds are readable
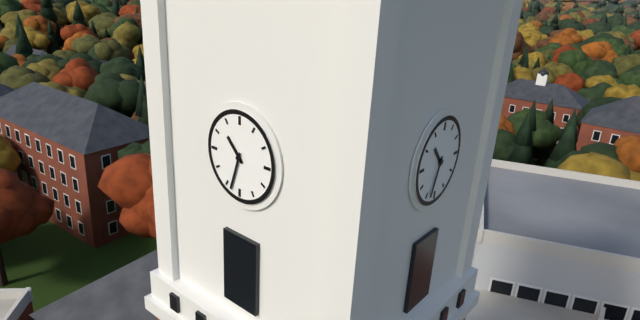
10:33
